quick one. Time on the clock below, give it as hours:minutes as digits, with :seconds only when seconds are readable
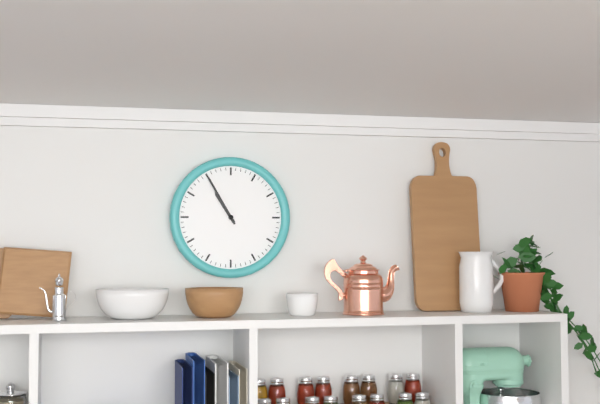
10:55
